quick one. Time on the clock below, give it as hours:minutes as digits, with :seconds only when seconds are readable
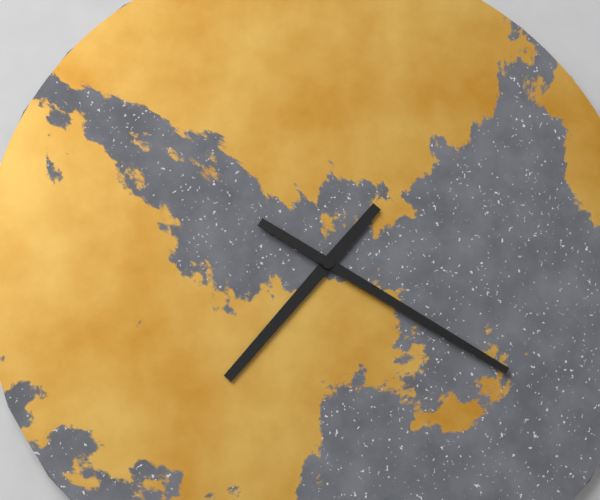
7:20
